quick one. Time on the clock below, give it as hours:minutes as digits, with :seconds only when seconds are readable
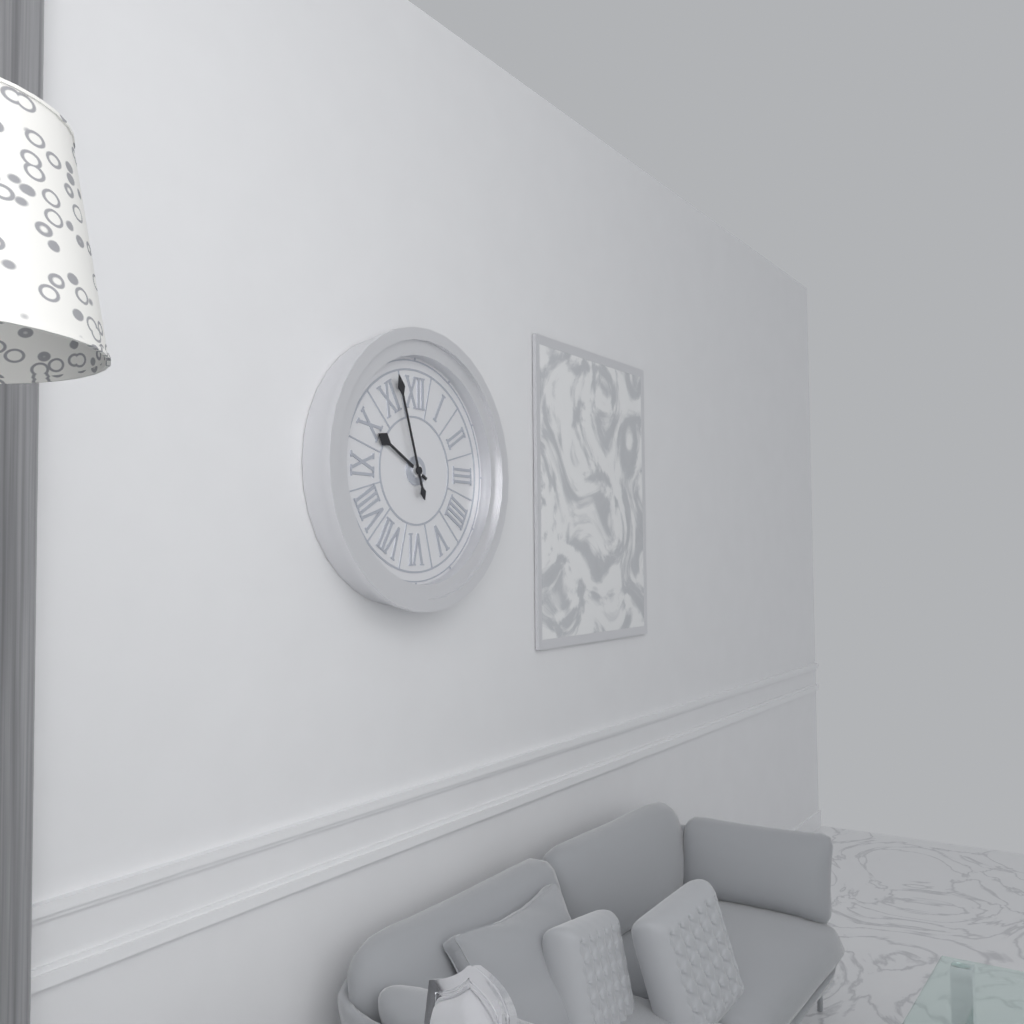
9:57
